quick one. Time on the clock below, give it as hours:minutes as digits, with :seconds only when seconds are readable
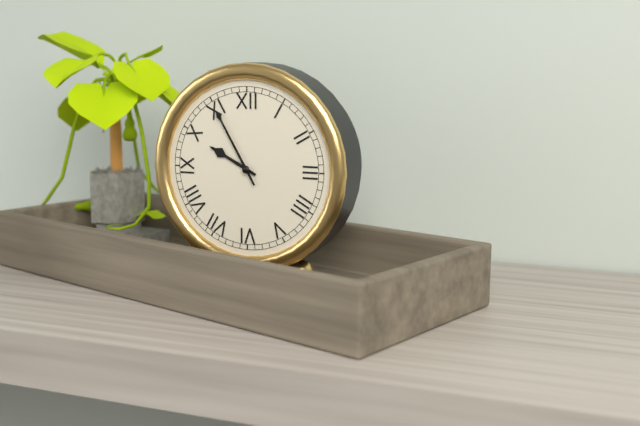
9:55
